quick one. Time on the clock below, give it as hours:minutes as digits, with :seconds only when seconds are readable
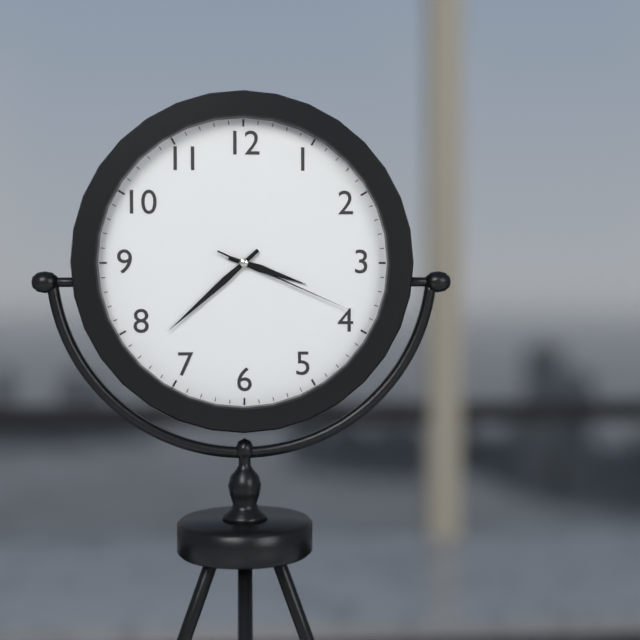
3:38:19
